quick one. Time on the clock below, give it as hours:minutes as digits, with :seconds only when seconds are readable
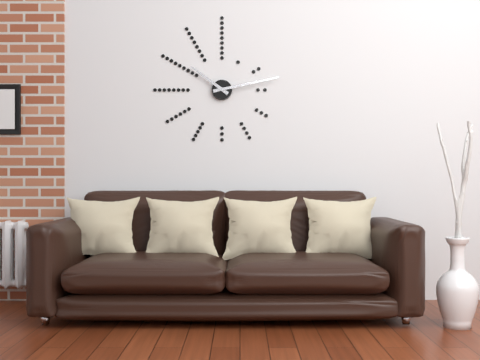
10:13
